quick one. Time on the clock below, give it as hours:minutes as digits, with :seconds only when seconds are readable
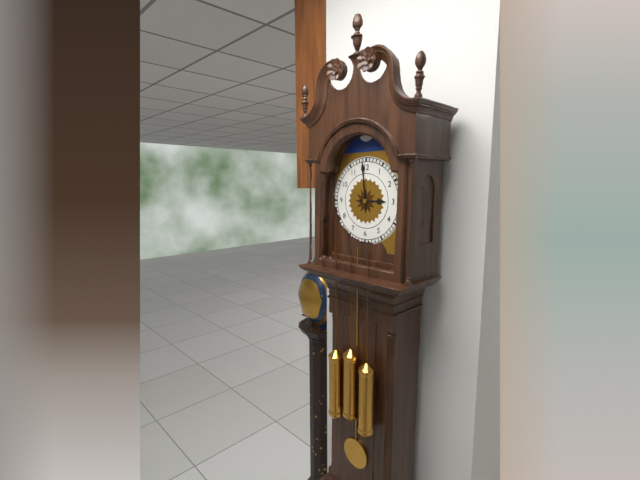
2:59
